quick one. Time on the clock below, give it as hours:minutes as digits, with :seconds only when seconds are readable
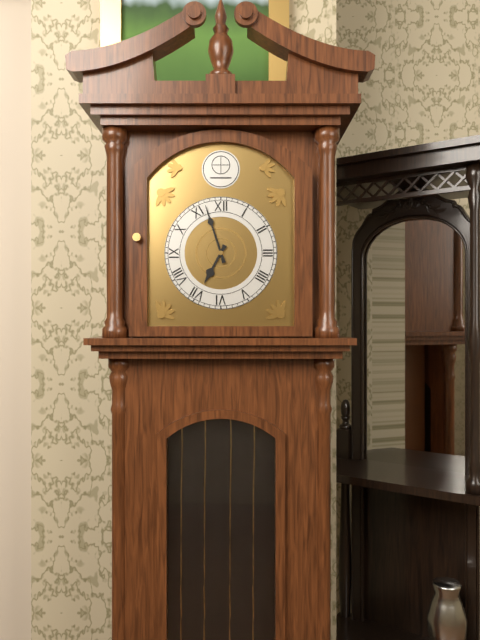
6:57
